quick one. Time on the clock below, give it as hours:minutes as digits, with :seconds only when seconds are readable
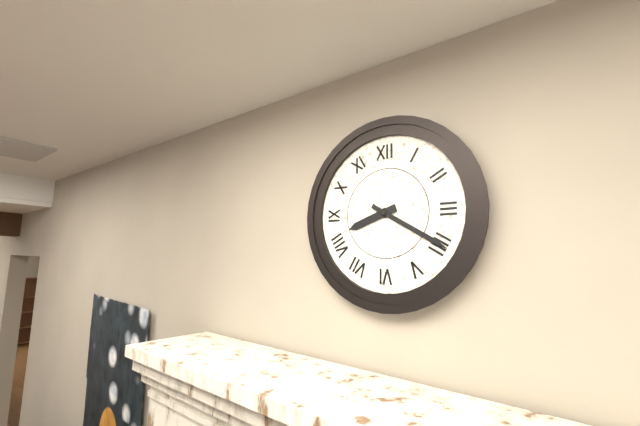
8:20
